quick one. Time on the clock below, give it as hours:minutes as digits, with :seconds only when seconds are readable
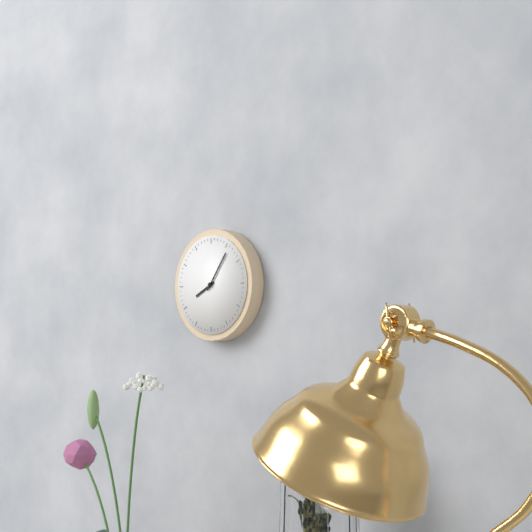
8:06
